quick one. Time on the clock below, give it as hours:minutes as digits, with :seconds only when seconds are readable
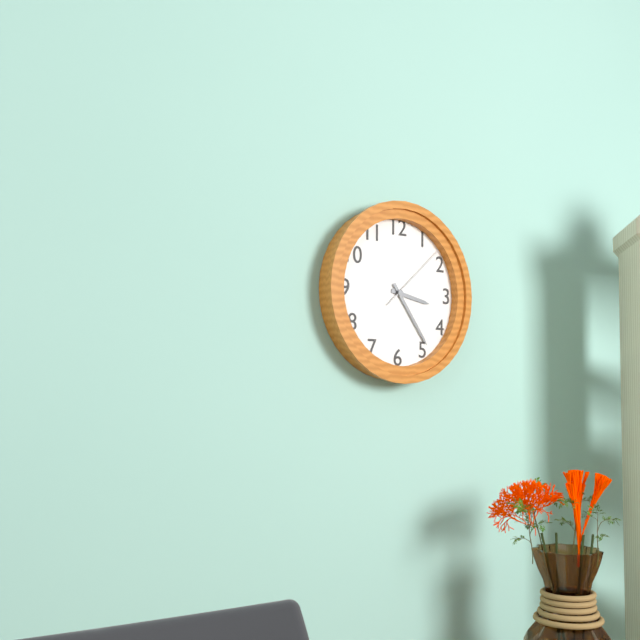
3:24:08
